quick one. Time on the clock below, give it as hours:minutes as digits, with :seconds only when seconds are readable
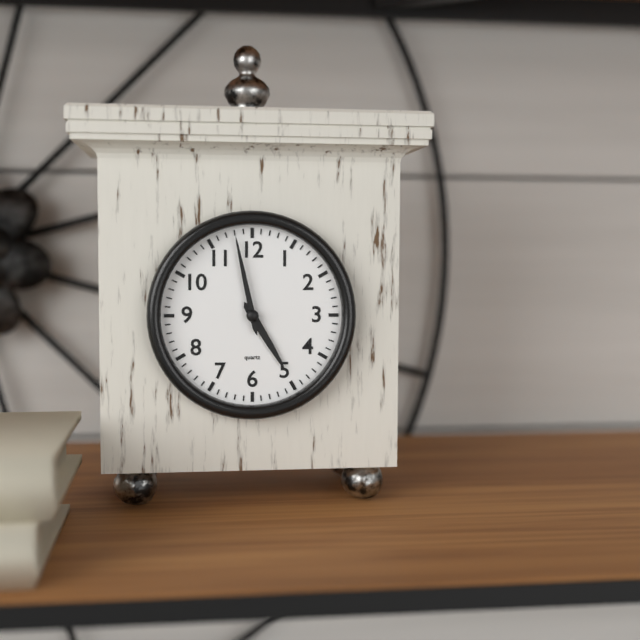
4:58
